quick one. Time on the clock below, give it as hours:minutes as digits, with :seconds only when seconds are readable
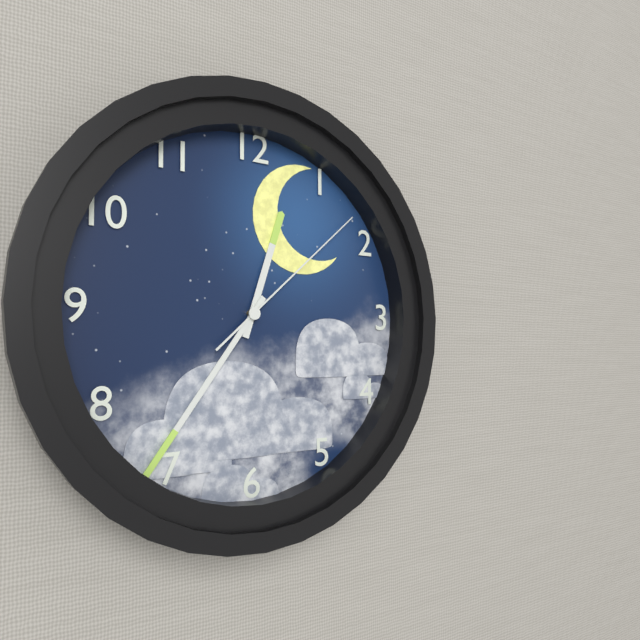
12:36:08
